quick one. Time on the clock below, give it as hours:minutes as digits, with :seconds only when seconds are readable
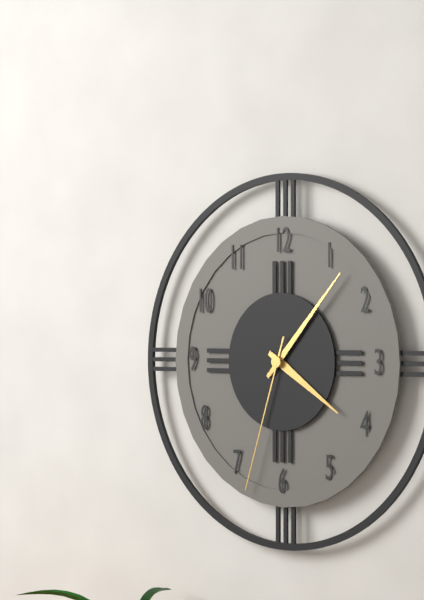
4:07:33
